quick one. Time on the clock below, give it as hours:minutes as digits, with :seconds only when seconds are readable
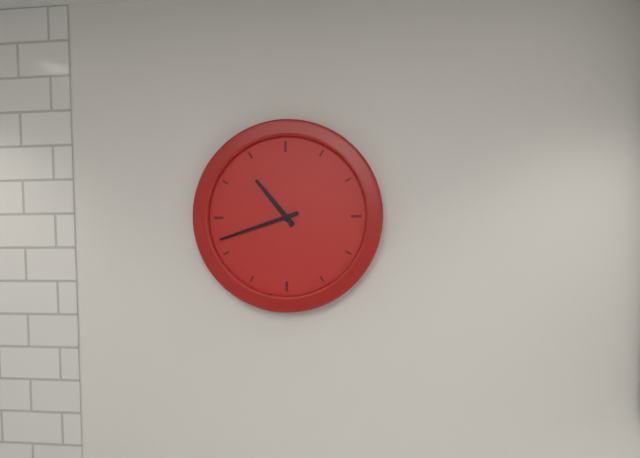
10:42
